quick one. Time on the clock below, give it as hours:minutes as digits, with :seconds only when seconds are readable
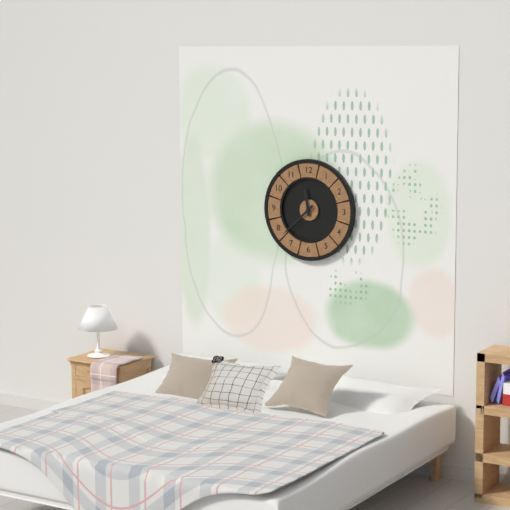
11:38
